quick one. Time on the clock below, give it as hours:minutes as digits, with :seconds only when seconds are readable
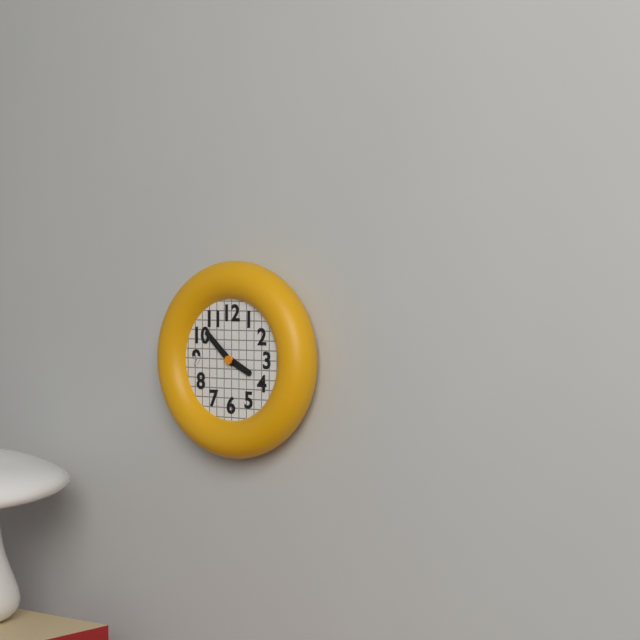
3:52
